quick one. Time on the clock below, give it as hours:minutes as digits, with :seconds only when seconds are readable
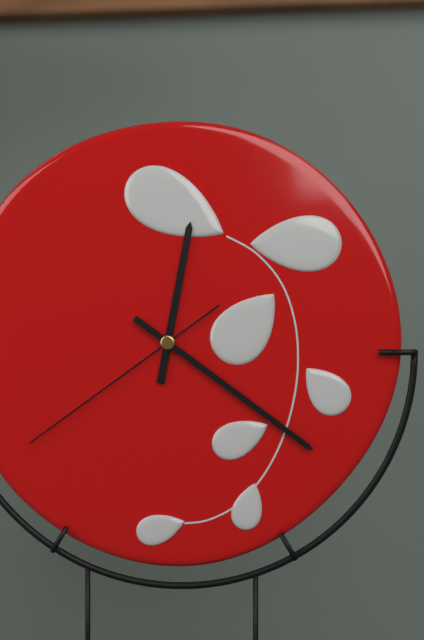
12:21:39
